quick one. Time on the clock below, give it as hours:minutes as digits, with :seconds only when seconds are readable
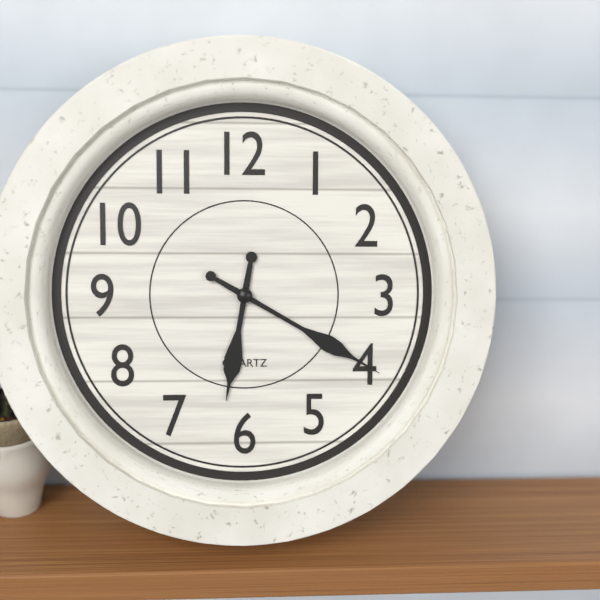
6:20
